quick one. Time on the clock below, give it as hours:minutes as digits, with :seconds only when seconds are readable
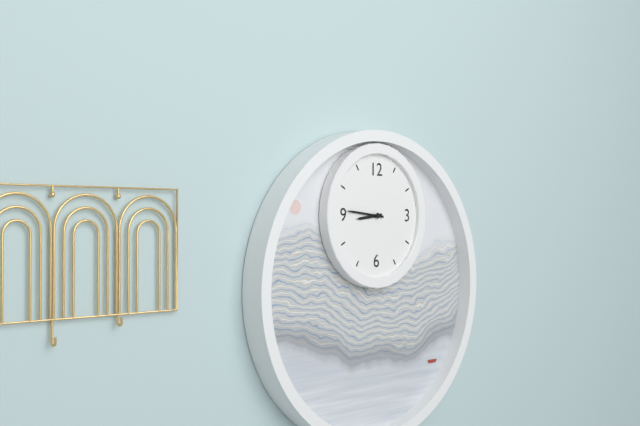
8:46
